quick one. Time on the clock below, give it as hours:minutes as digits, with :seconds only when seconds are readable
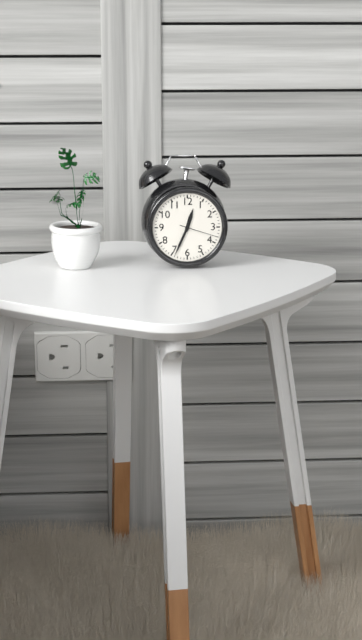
12:34
